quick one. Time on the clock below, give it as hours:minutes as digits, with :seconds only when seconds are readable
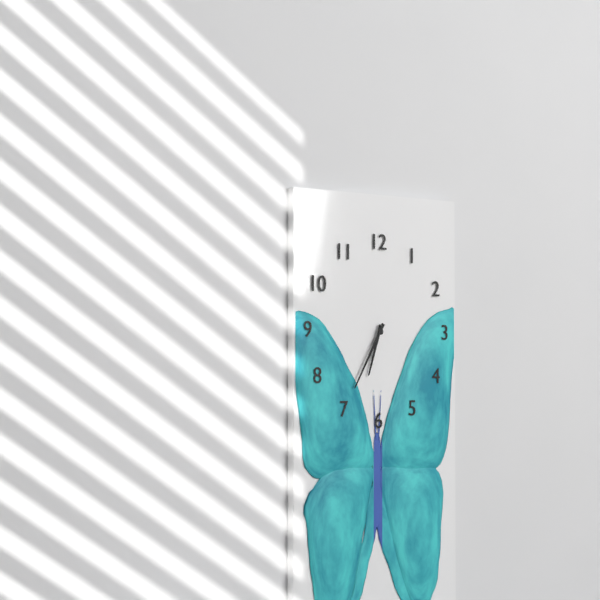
6:35
